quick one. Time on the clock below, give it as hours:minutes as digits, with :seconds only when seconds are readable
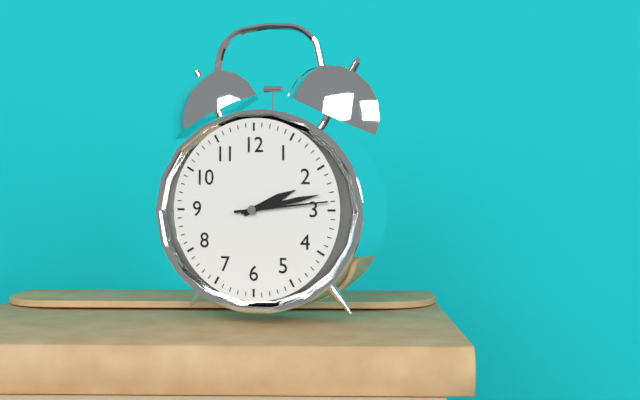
2:13:14
